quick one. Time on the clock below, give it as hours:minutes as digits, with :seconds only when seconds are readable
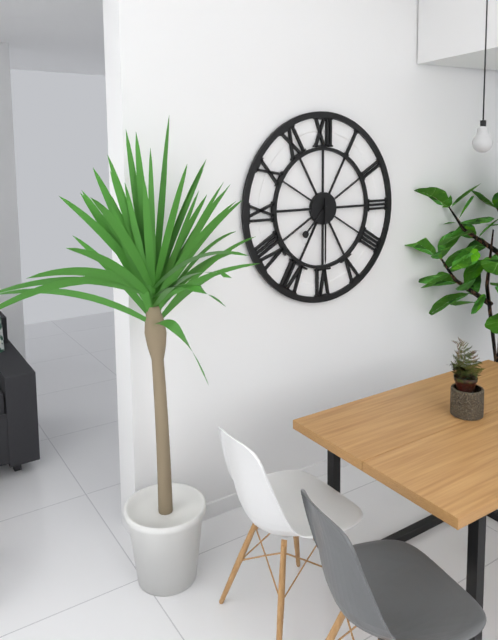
7:30
